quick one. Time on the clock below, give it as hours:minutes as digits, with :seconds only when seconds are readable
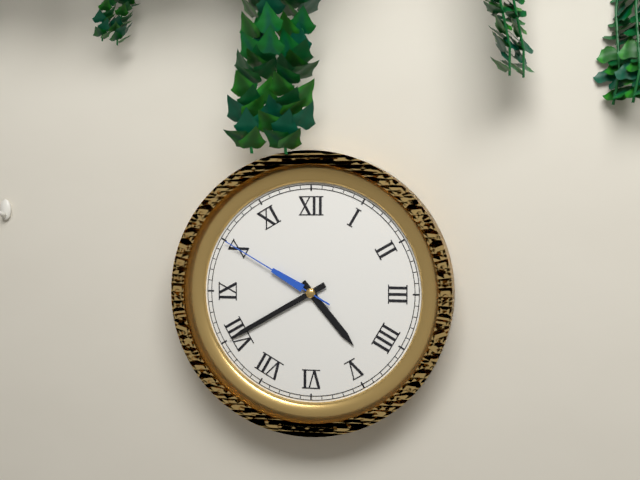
4:40:50
